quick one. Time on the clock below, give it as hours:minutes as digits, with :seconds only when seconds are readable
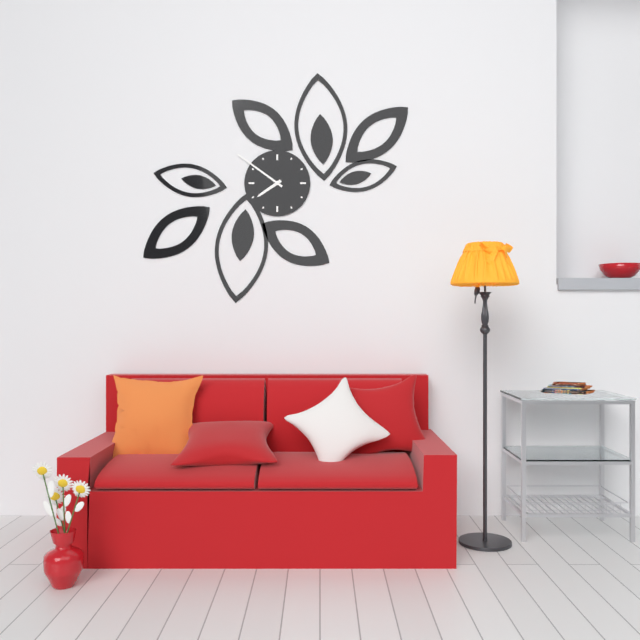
7:51
